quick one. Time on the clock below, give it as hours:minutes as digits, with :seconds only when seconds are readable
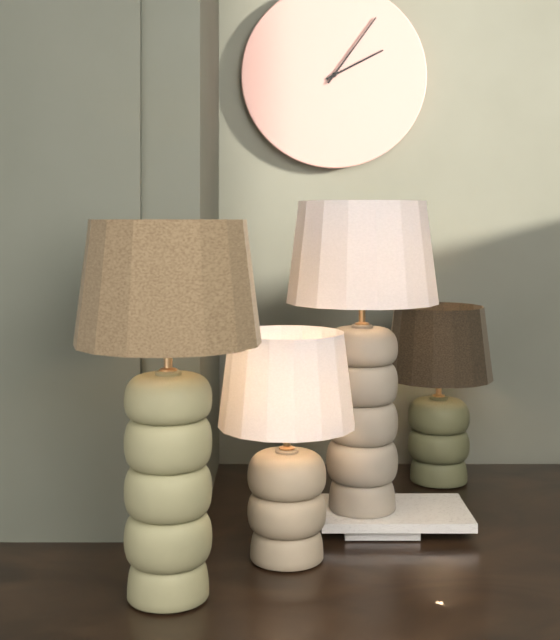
2:06
